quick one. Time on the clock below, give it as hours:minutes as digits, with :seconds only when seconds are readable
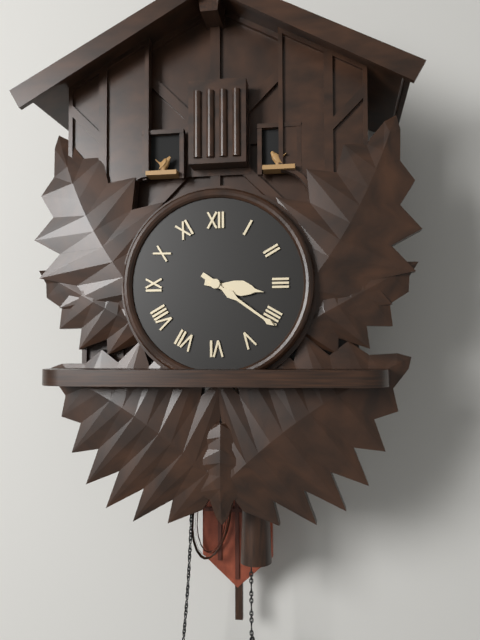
3:21
